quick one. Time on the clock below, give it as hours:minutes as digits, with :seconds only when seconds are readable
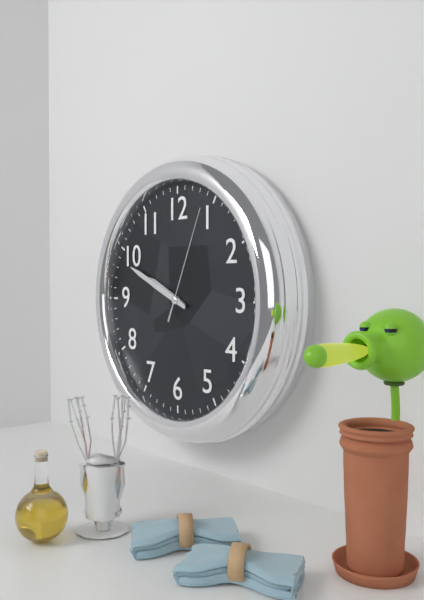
9:49:04
